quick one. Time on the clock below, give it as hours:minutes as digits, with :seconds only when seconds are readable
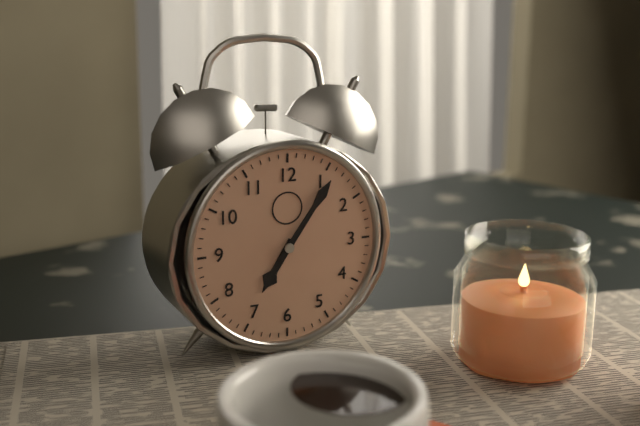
7:06
